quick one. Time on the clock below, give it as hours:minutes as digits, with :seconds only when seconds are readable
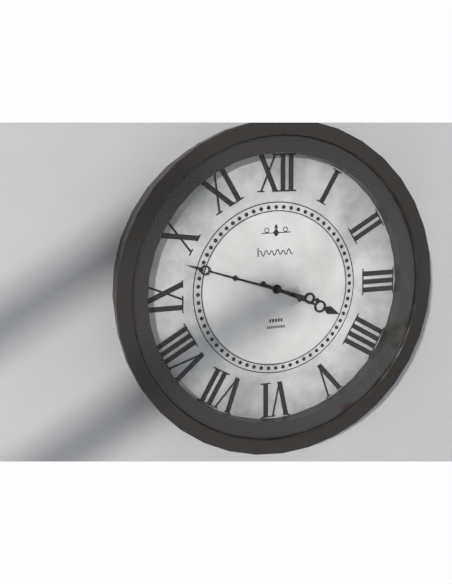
3:48
